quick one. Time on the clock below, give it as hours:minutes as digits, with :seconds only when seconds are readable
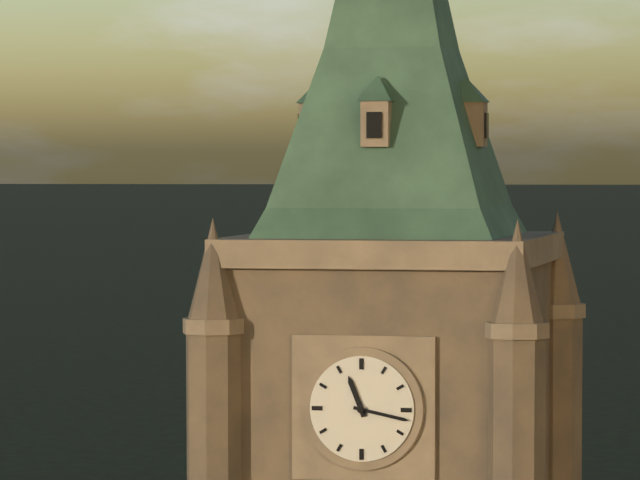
11:17
